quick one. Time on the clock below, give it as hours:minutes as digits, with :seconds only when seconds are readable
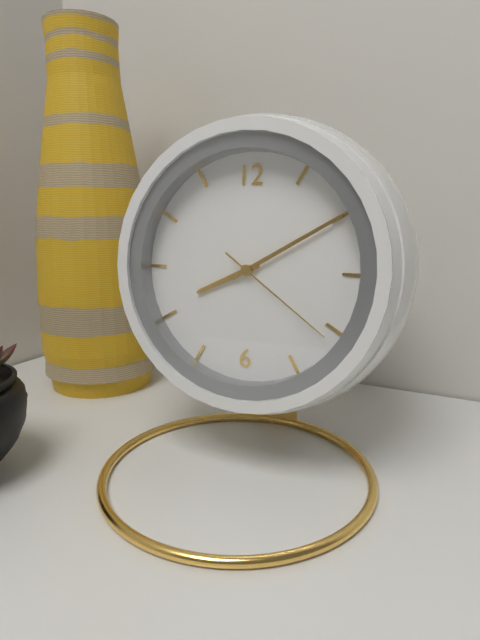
8:10:21
